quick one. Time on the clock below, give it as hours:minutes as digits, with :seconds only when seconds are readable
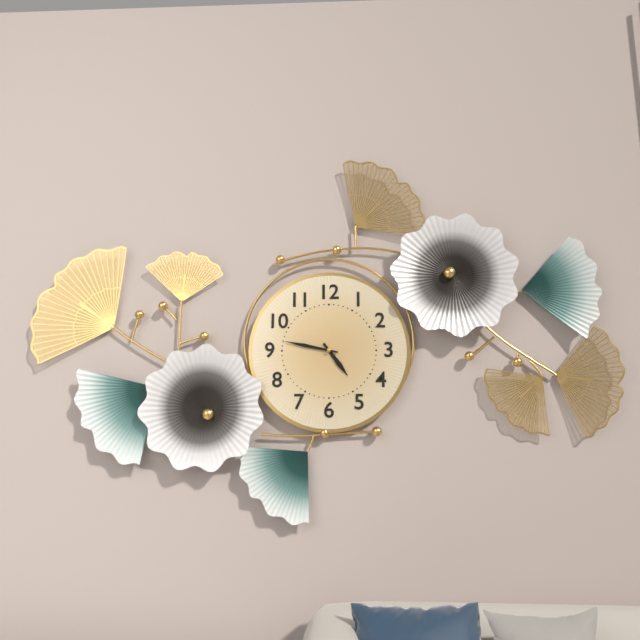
4:47
